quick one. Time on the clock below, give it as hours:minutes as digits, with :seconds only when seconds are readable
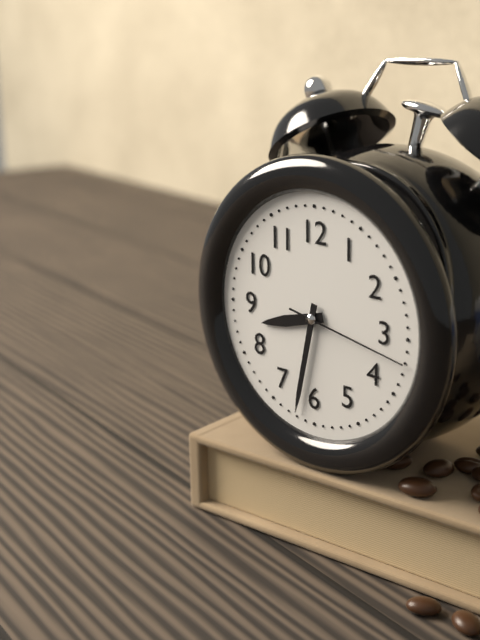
8:32:17
